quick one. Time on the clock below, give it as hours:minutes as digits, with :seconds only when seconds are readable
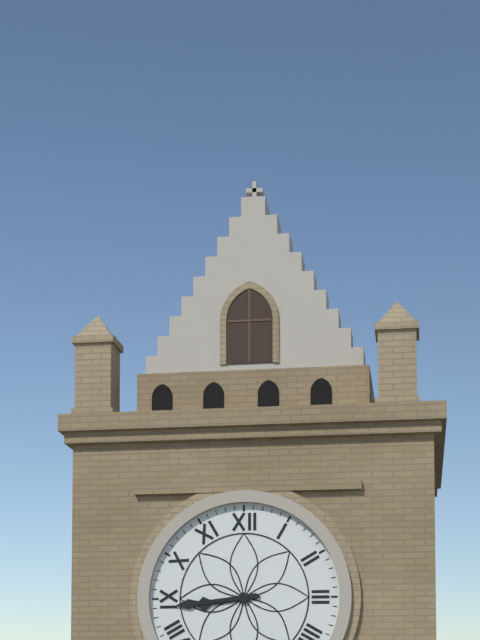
8:44
